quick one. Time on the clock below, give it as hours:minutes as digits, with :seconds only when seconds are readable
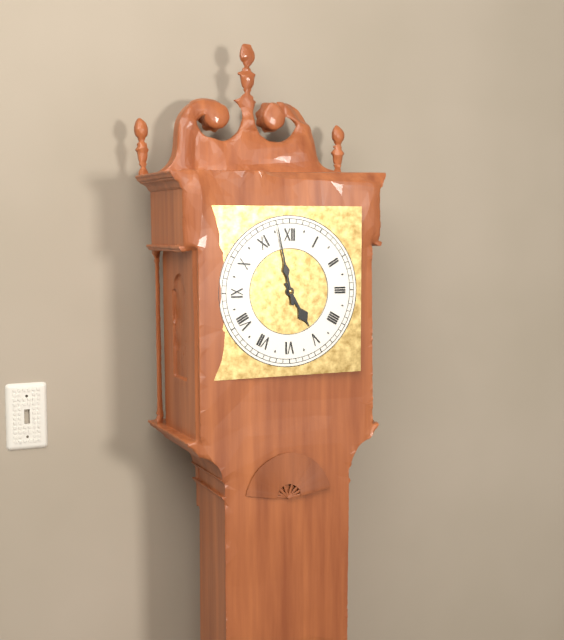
4:58
